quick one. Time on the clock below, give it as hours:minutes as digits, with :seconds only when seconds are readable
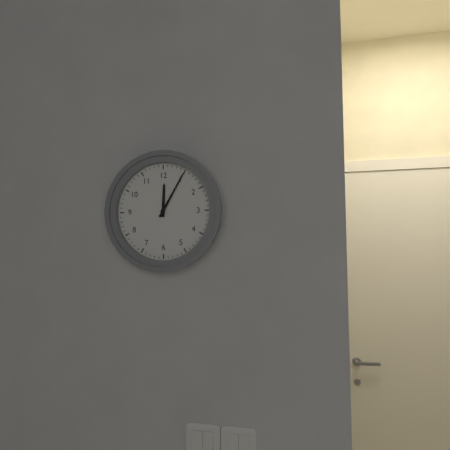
12:05
